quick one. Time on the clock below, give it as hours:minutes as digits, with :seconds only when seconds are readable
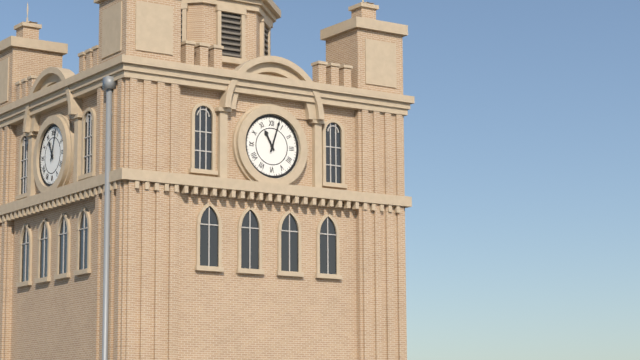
11:03
